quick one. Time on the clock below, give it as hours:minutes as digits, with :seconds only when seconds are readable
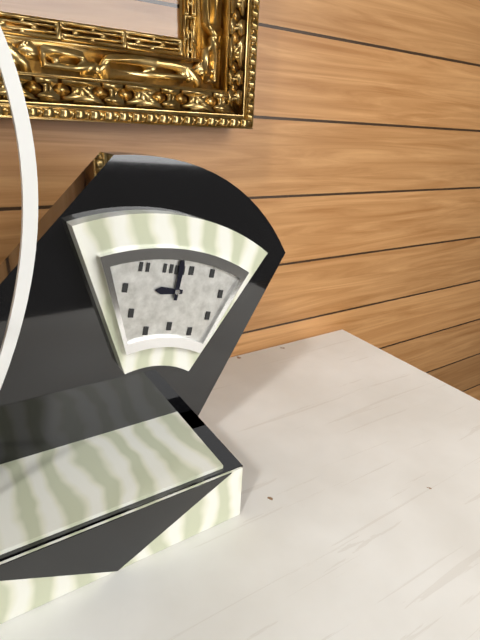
9:00
